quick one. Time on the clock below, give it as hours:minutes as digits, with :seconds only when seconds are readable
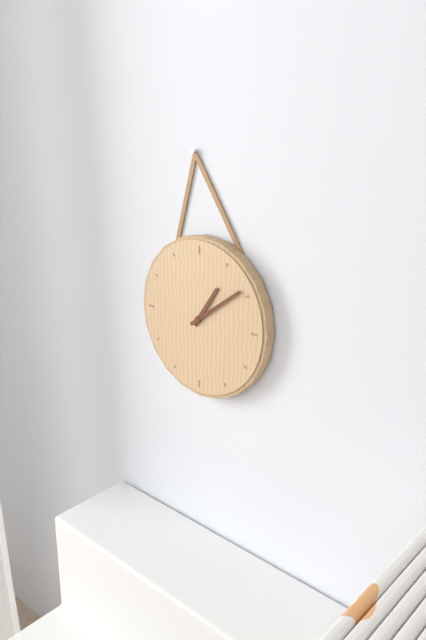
1:09
